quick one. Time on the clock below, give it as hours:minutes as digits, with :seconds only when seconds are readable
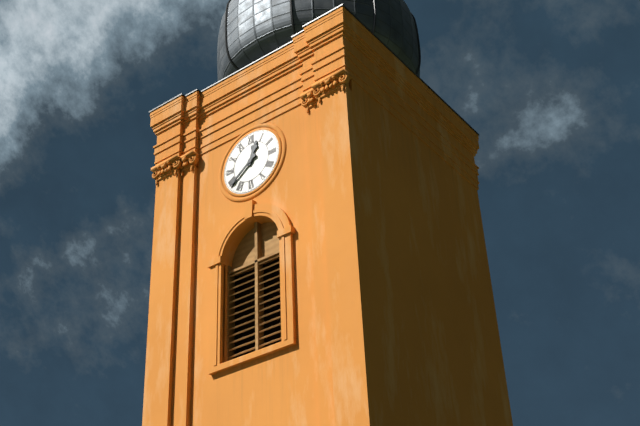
12:39
